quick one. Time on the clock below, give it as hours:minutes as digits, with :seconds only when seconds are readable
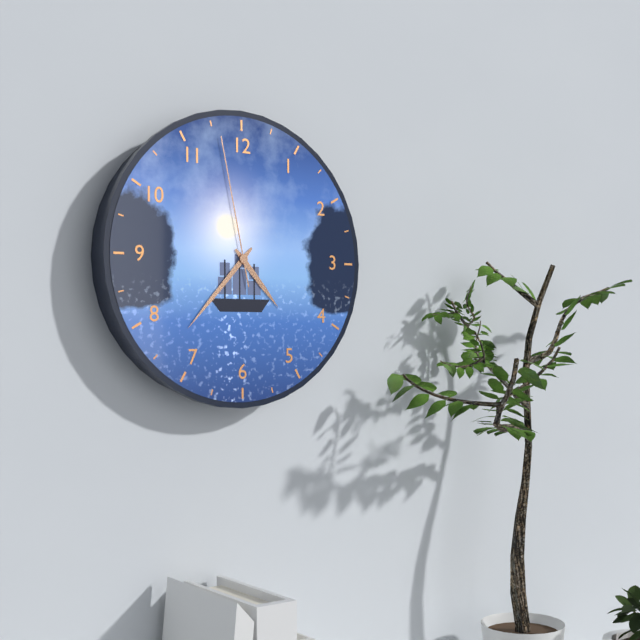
4:37:58
